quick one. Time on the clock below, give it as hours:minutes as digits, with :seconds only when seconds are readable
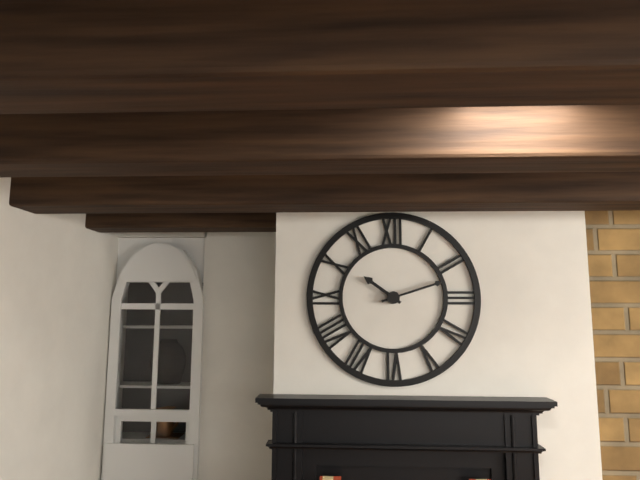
10:12
